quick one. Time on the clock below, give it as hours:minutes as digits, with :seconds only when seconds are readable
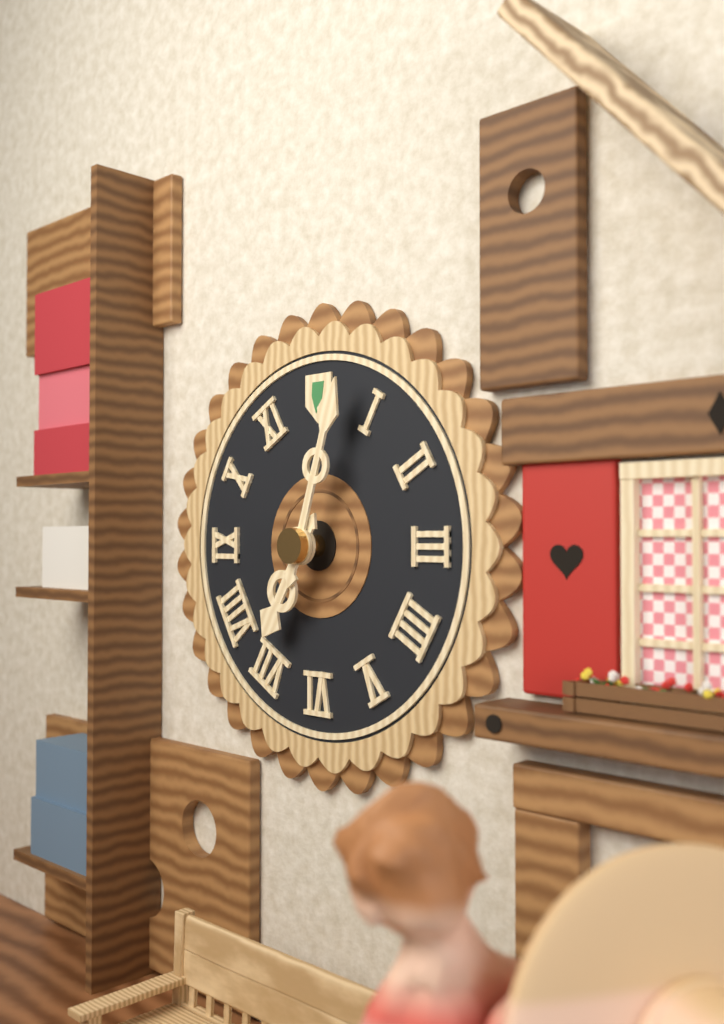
7:03
